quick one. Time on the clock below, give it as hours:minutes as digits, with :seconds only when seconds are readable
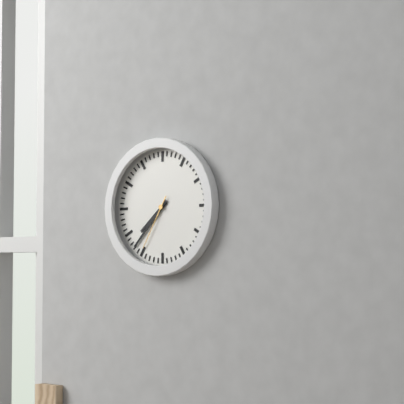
7:37:35
